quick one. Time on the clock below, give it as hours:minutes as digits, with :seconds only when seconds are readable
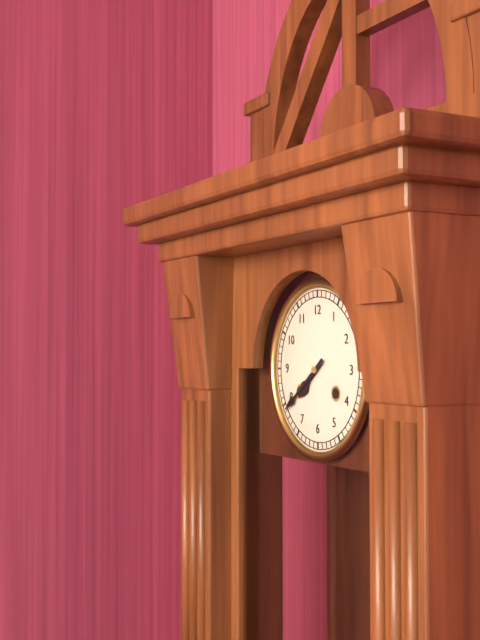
7:39
